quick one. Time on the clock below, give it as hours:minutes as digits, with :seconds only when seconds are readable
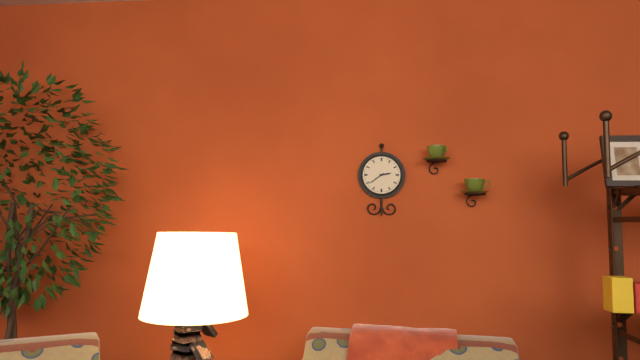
2:39
